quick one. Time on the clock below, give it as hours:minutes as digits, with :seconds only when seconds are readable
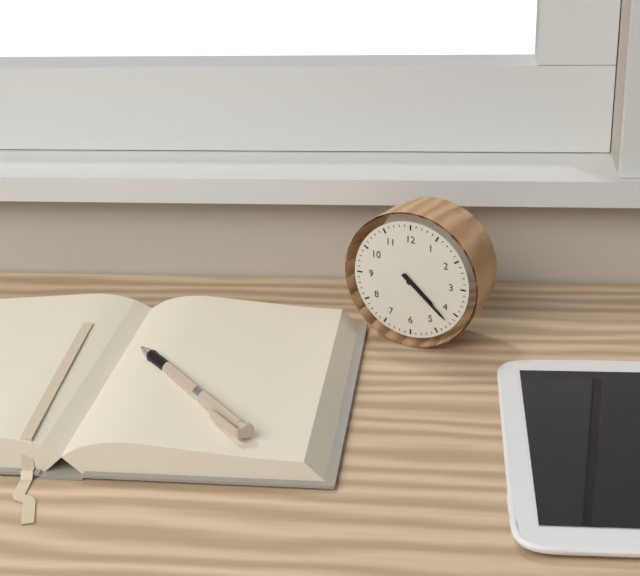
4:22
